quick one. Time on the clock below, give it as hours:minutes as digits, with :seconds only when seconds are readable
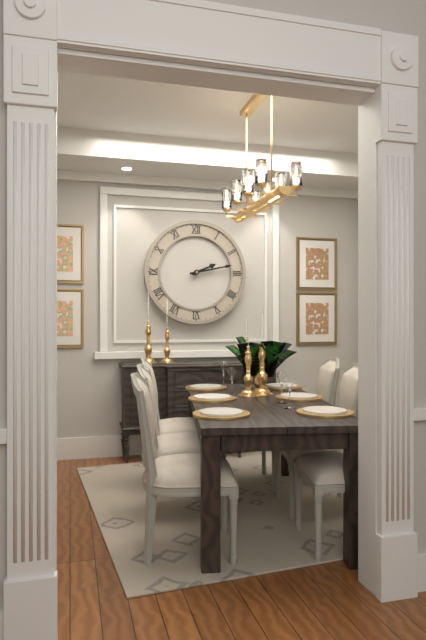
2:13
